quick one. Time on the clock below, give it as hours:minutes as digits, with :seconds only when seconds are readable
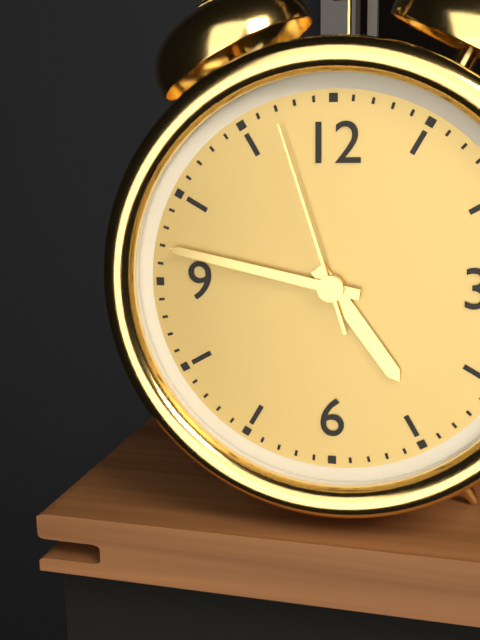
4:47:57
